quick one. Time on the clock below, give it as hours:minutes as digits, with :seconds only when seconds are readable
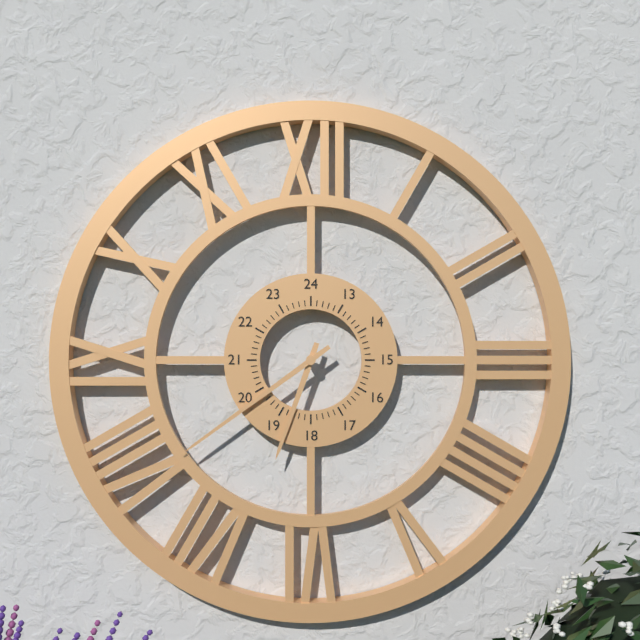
6:39
